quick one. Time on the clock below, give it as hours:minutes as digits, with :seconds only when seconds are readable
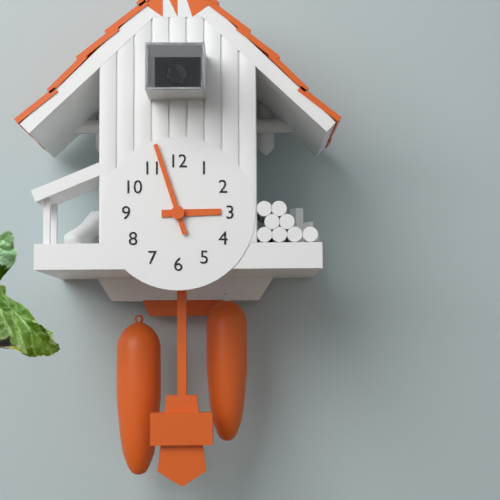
2:57
